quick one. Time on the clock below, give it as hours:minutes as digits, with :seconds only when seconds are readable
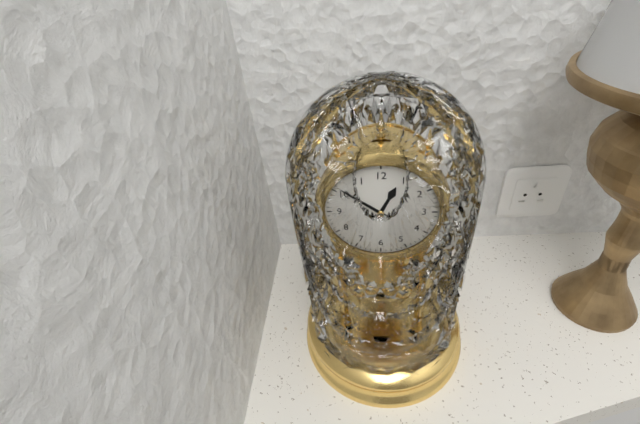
12:51
